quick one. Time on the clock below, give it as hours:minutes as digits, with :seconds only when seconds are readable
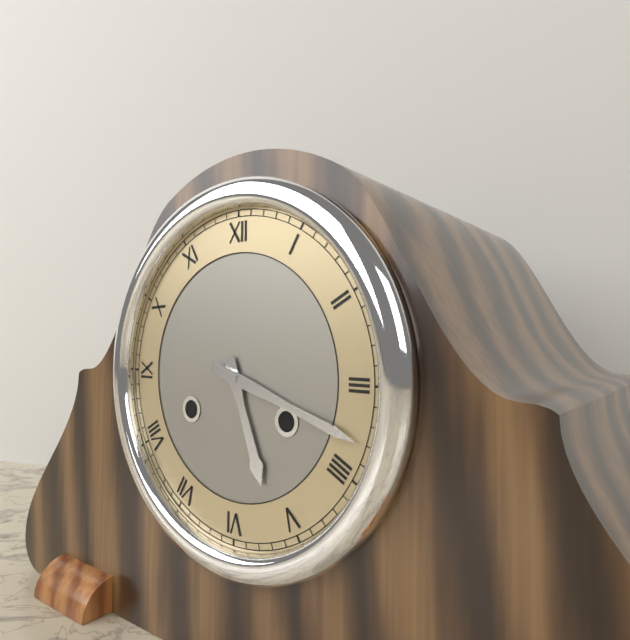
5:18
